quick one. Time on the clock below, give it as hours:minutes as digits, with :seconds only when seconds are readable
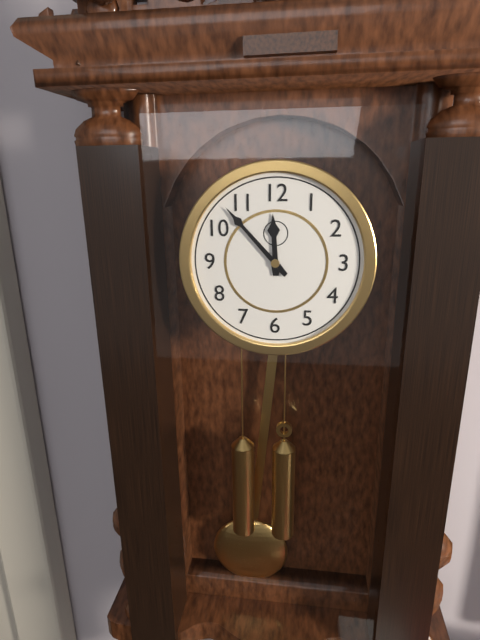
11:53
